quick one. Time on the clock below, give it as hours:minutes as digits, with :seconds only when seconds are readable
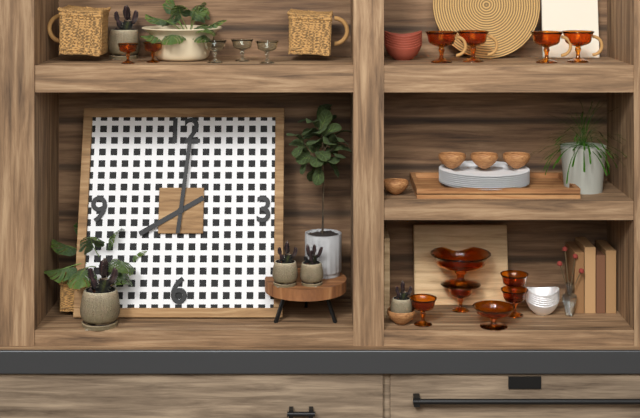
8:01
